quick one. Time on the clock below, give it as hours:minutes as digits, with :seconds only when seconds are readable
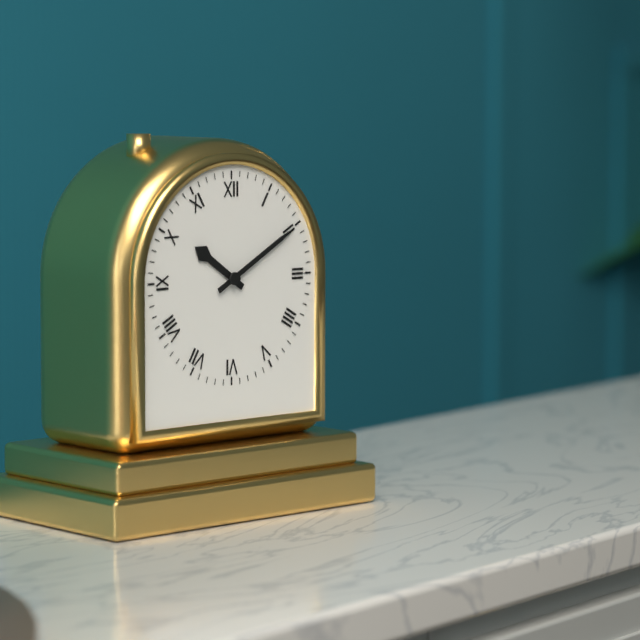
10:10
